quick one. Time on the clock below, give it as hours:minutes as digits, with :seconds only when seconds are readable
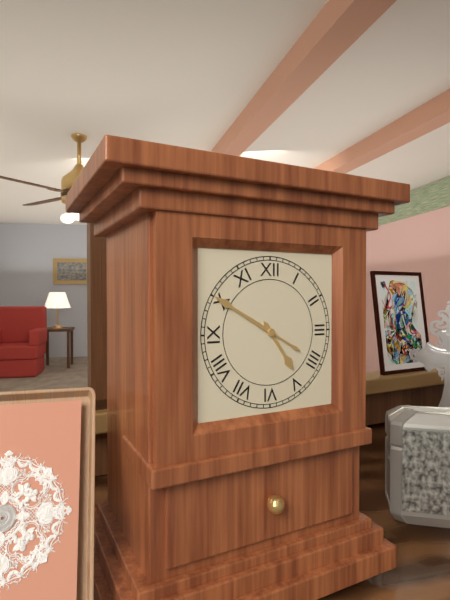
4:50
